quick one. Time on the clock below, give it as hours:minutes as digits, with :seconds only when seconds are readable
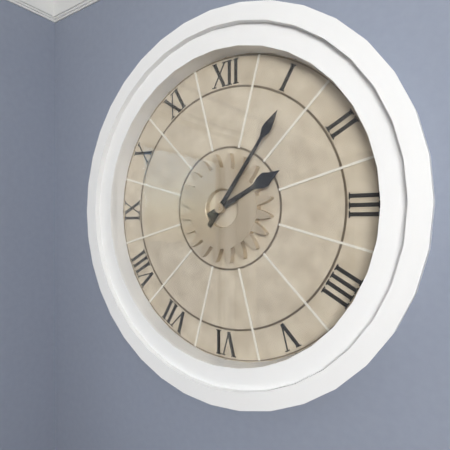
2:06
